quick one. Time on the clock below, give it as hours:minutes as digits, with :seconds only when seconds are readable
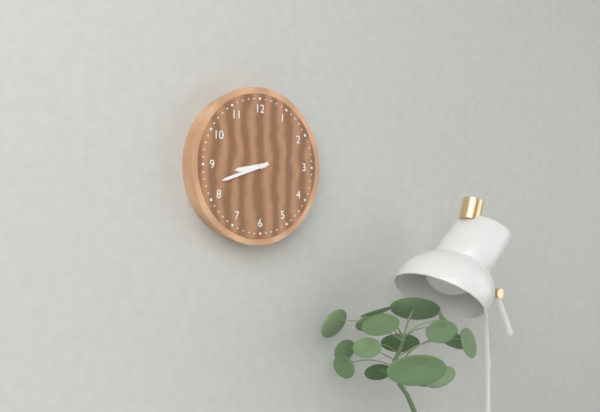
8:42
